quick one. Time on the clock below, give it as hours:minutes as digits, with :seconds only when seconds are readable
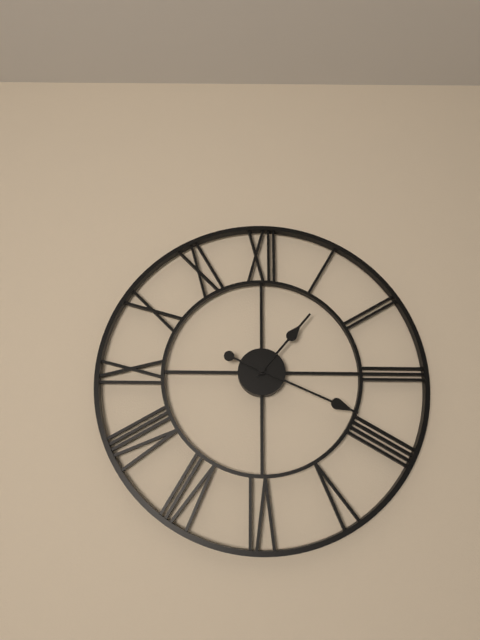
1:19
